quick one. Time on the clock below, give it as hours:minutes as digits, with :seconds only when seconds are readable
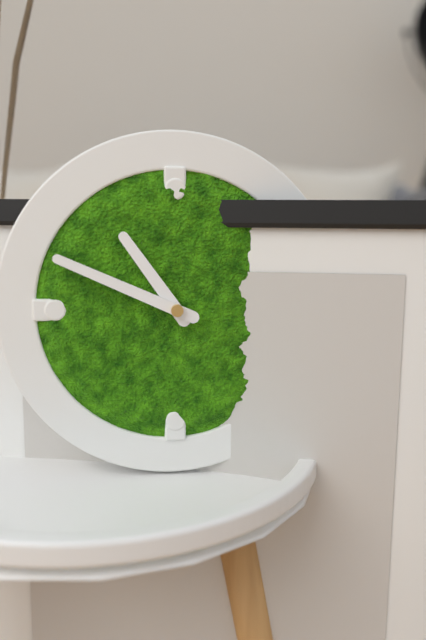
10:49
